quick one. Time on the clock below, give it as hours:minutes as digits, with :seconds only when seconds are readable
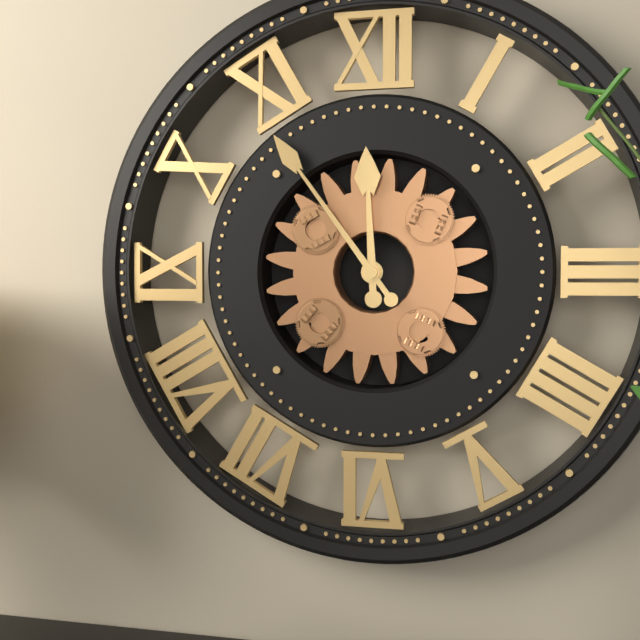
11:54
